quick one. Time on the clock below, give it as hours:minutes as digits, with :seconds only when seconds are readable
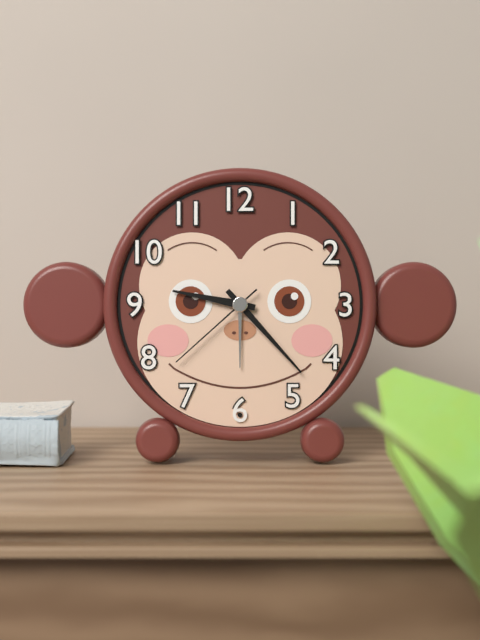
9:23:38
